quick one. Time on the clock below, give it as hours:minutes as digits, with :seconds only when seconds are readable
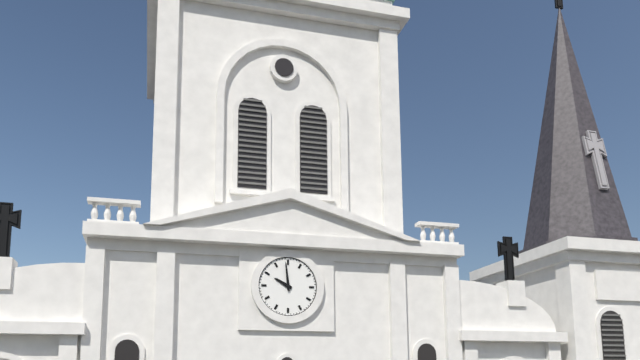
9:59
